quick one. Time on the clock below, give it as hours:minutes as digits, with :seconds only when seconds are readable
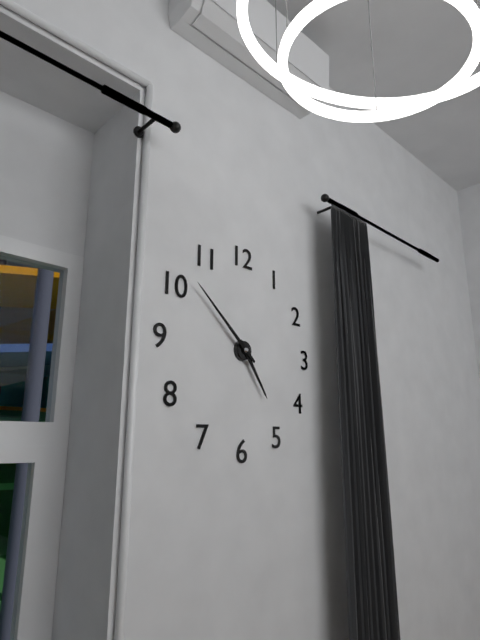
4:52
